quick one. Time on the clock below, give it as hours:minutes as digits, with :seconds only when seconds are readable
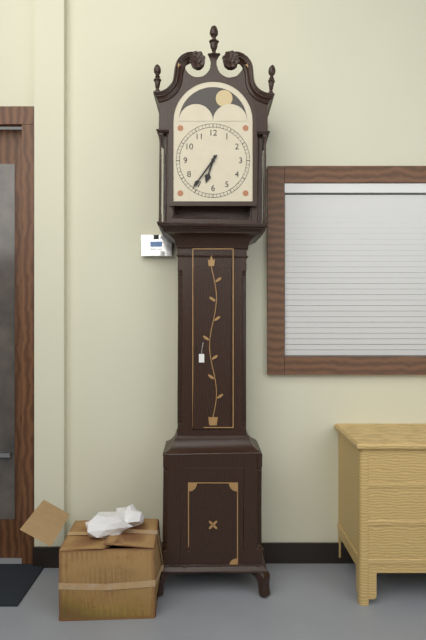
6:36
